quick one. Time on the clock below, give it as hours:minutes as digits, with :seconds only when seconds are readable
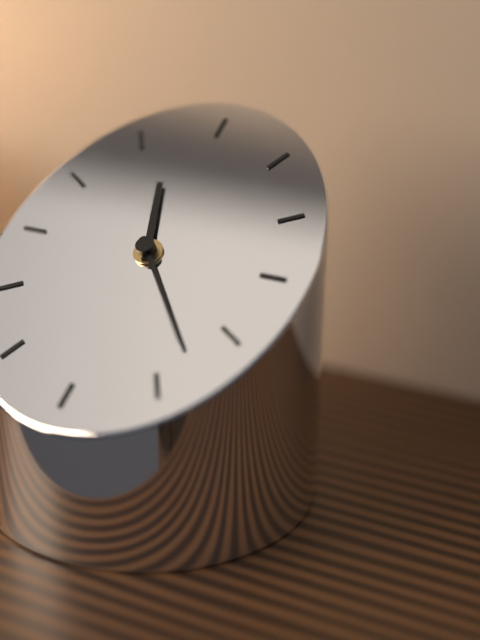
11:23
